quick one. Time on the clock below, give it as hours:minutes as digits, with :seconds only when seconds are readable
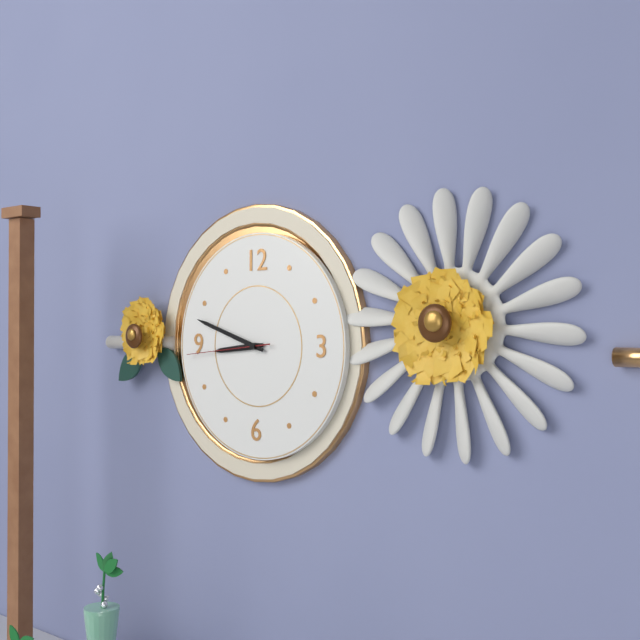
8:48:44
